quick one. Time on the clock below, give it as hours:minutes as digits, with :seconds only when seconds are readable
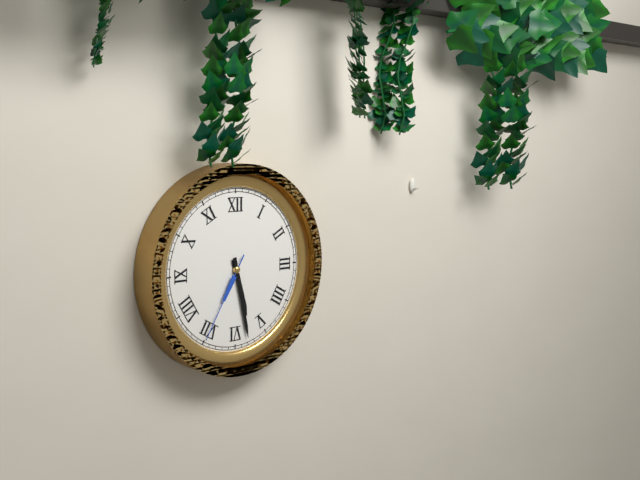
5:28:35
